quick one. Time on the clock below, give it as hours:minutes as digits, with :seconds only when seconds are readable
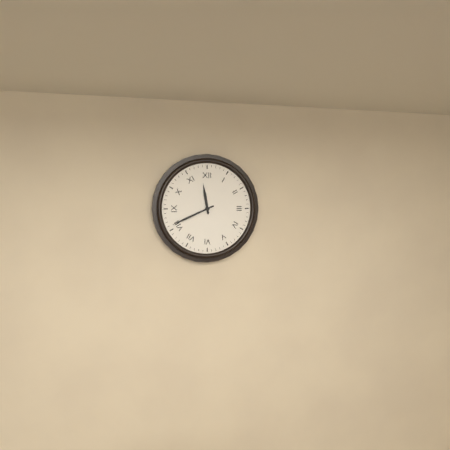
11:41
